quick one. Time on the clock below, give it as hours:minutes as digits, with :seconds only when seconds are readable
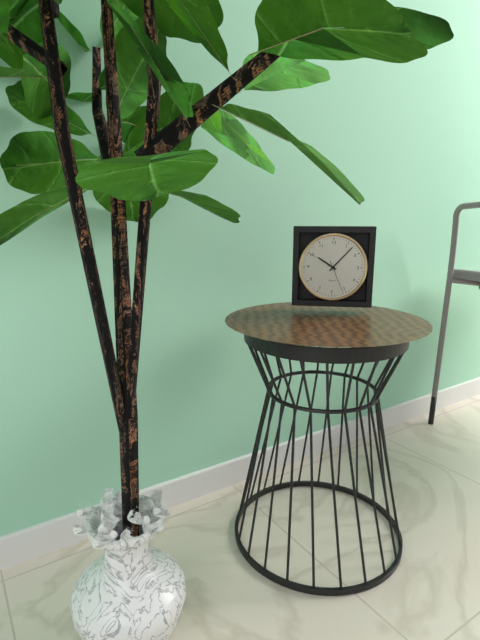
10:07
